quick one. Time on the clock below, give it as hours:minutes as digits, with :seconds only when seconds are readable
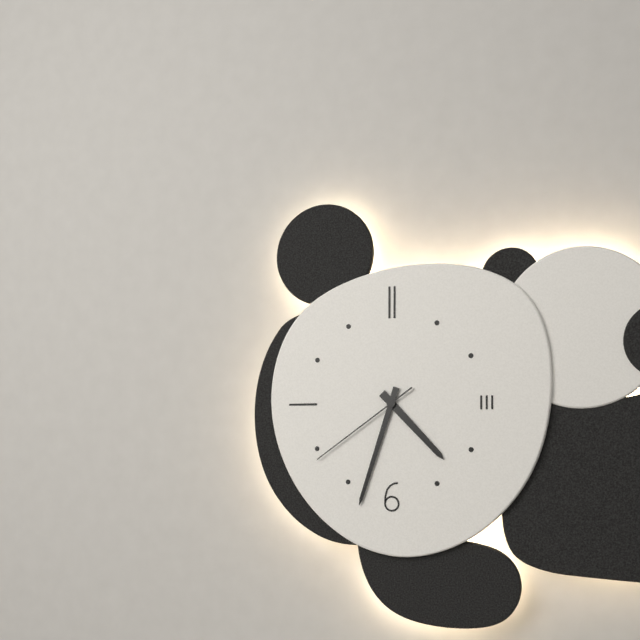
4:33:39
